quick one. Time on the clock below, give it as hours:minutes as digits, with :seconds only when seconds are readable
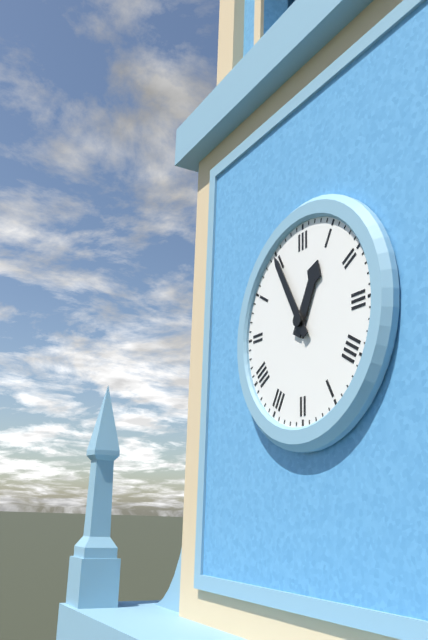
12:55
